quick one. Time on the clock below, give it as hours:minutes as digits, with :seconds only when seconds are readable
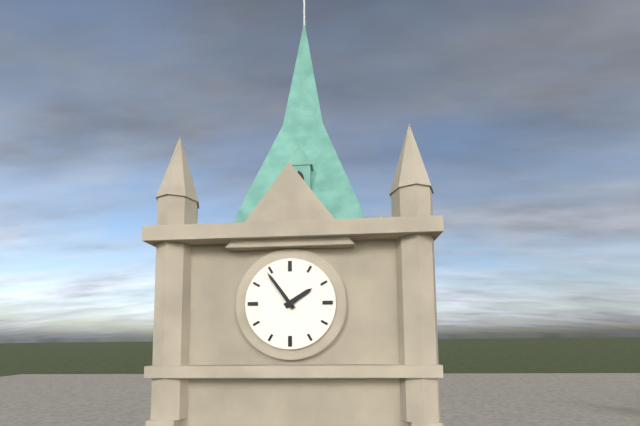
1:54
